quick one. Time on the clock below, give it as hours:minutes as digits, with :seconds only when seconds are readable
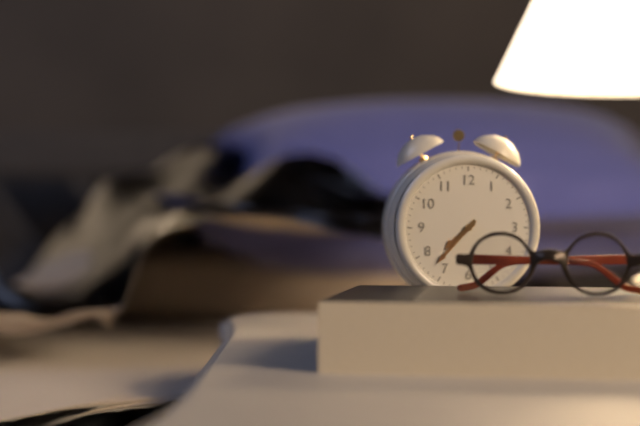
7:37
